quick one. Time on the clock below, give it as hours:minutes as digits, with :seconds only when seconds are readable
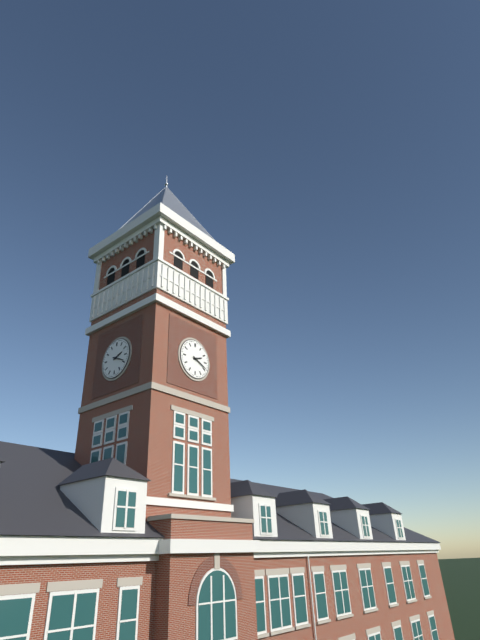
2:19
